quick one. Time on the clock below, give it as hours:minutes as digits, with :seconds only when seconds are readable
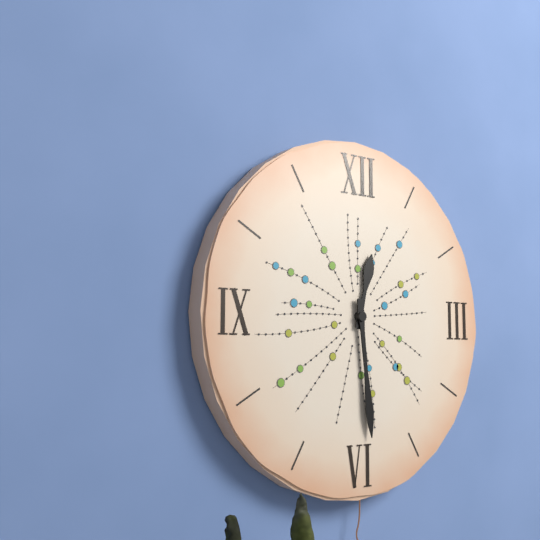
12:29
